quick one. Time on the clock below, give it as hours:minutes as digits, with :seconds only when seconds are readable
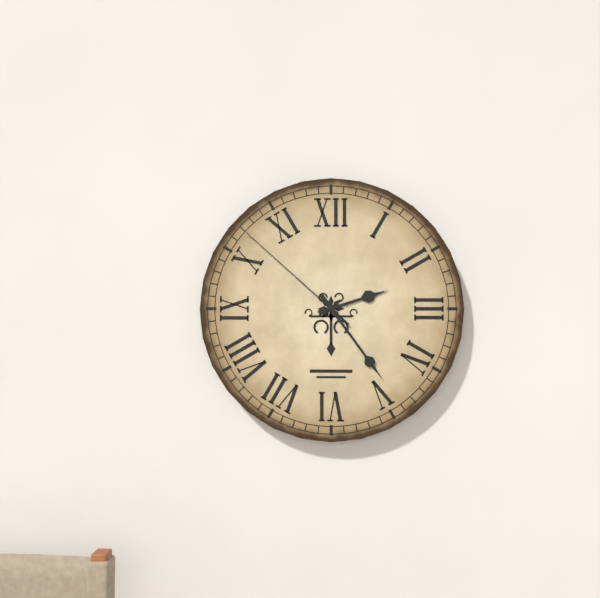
2:24:52
